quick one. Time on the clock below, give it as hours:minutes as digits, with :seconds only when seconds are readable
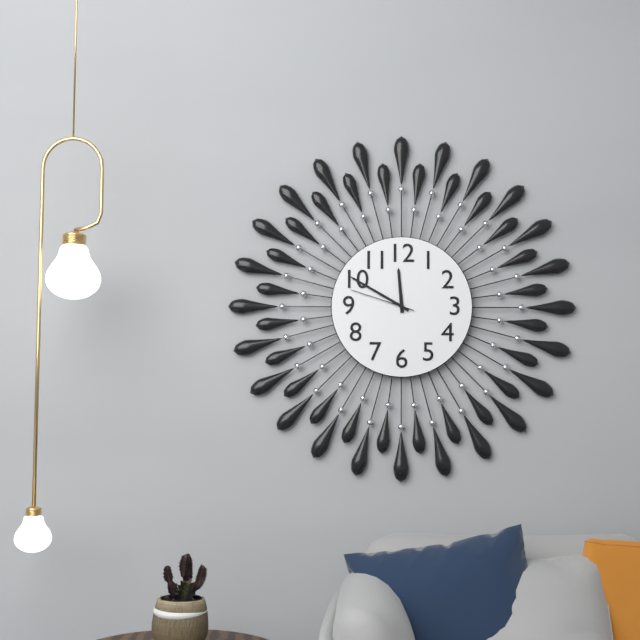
11:50:48
